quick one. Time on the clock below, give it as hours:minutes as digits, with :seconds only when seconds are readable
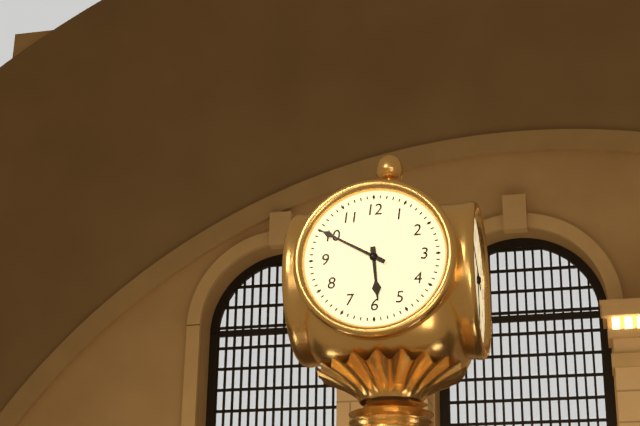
5:50
